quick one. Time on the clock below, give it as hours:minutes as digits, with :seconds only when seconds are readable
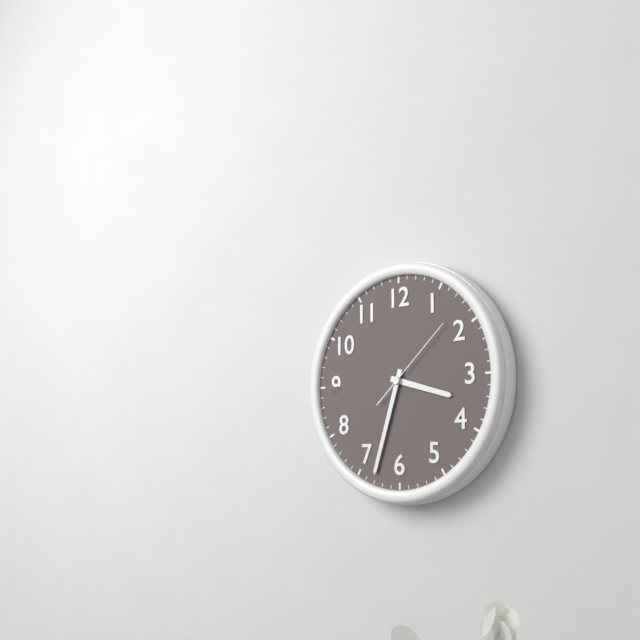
3:33:08
